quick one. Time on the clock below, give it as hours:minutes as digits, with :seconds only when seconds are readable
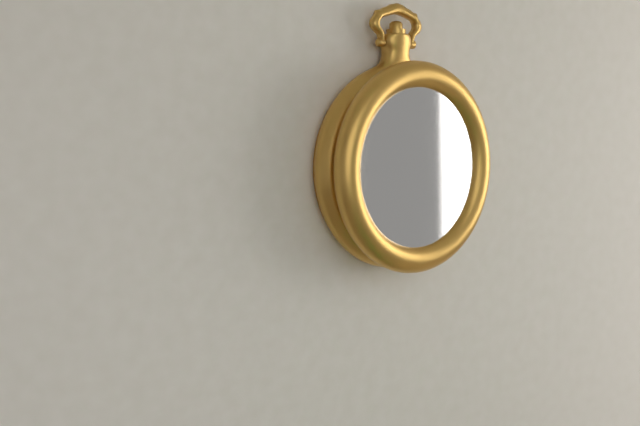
8:37
